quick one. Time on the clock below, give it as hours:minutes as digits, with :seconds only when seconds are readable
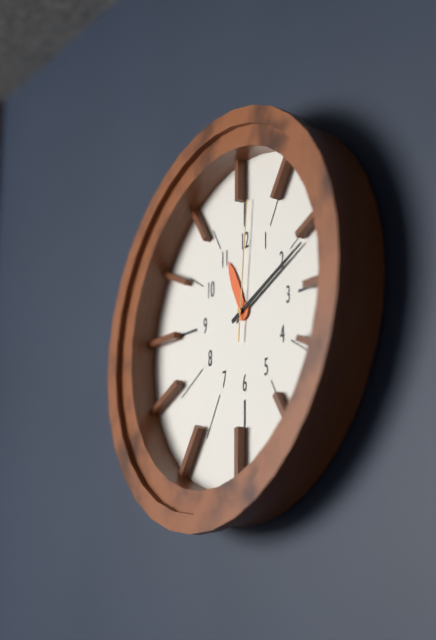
11:11:01
